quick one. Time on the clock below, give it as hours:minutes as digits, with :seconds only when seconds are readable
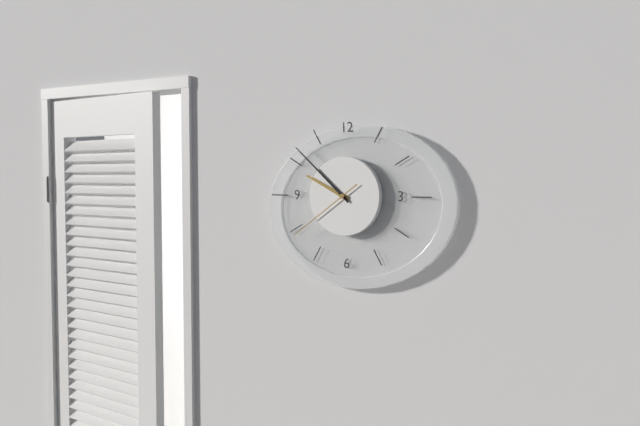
9:52:39
